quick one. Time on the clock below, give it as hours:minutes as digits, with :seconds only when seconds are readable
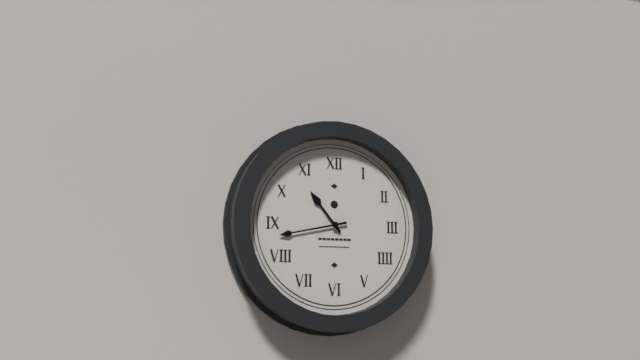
10:43
